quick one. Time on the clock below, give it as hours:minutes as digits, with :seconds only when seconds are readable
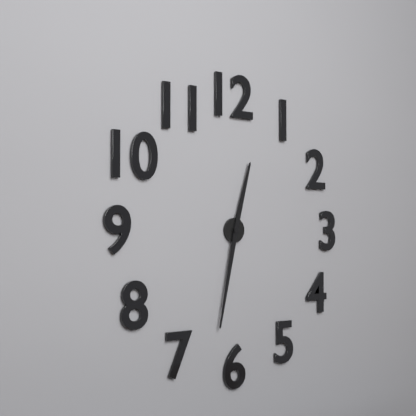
12:32
